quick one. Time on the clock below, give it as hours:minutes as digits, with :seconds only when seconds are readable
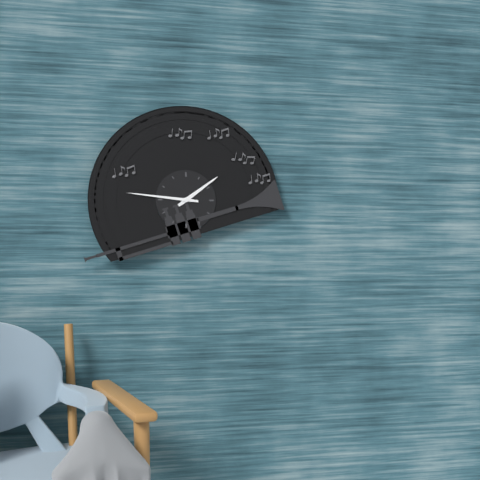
1:46
